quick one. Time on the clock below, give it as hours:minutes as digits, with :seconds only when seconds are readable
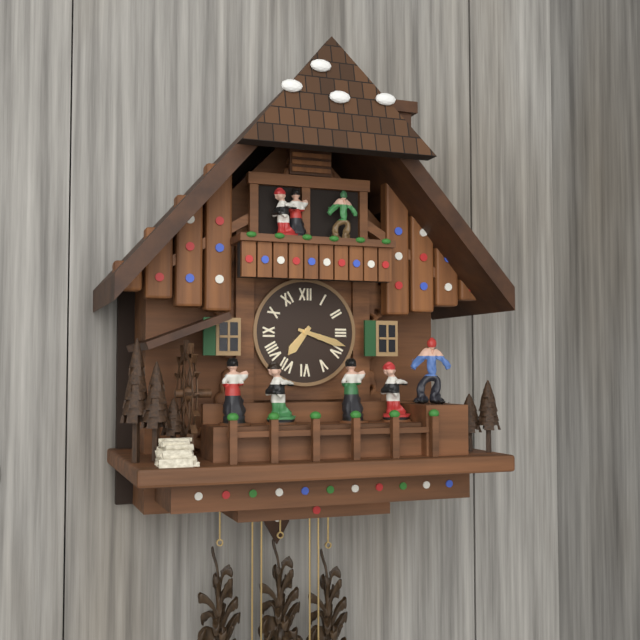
7:18
